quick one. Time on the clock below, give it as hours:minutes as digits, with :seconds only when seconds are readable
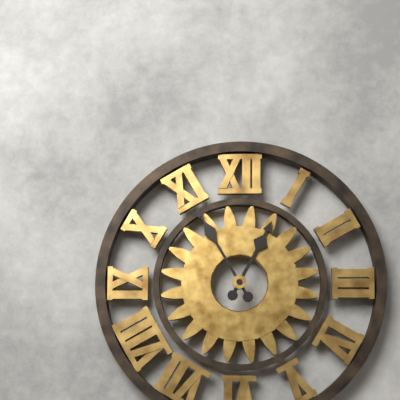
12:55
